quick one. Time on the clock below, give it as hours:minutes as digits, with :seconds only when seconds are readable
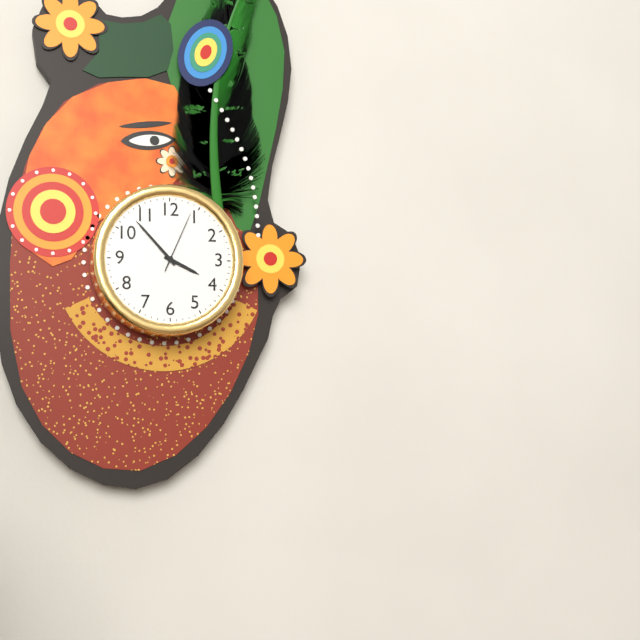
3:53:04
